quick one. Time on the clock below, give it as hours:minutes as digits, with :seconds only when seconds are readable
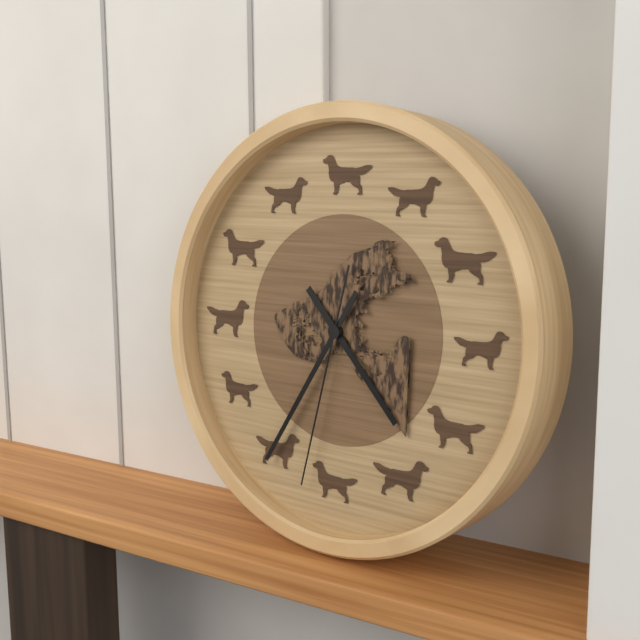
4:35:32
